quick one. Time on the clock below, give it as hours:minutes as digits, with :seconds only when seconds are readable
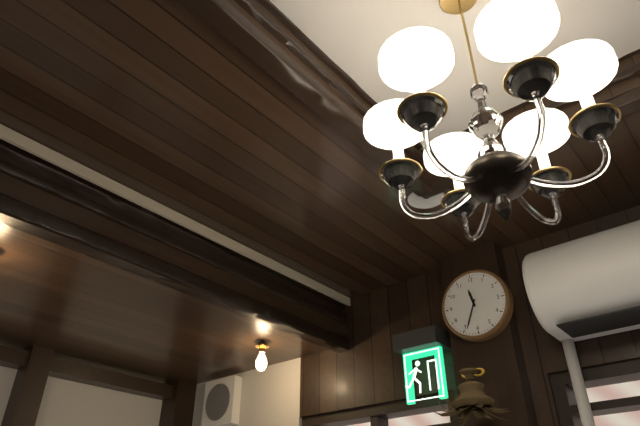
11:34
